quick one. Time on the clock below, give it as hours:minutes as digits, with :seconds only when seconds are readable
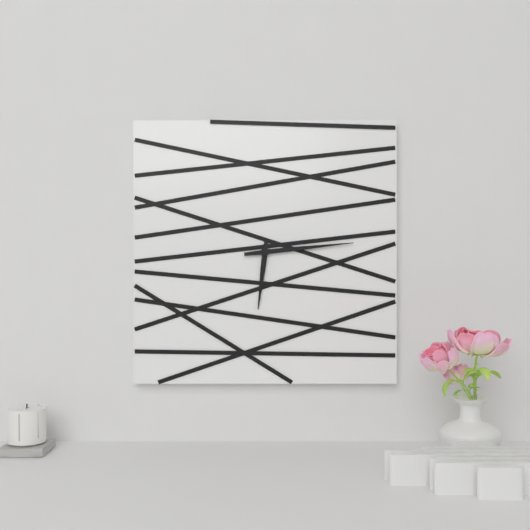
6:14
